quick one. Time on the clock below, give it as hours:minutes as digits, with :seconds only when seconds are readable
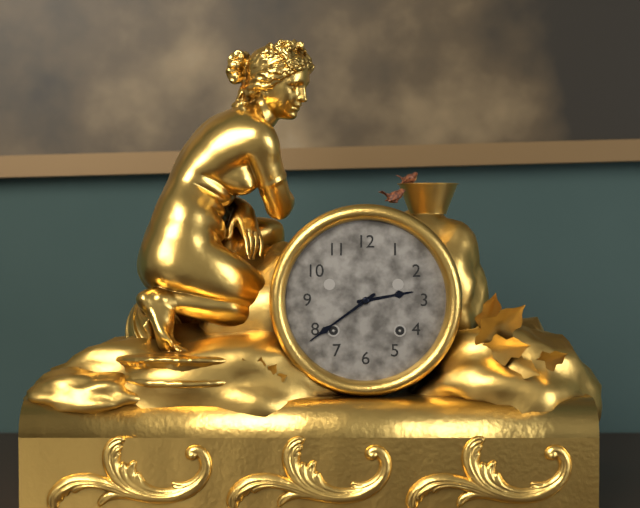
2:39
